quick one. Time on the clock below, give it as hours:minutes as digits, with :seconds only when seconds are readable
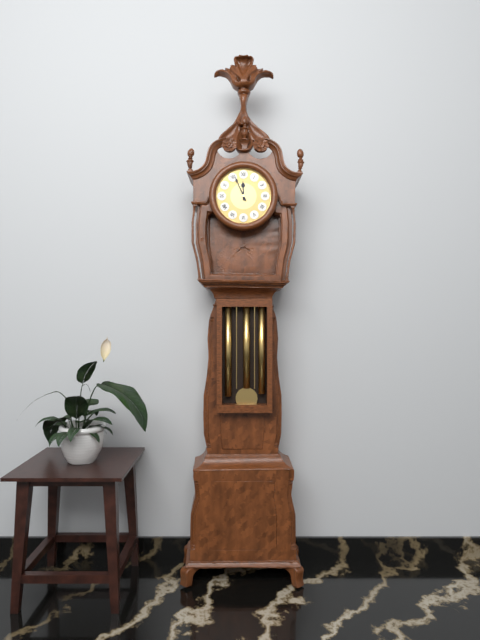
11:56
